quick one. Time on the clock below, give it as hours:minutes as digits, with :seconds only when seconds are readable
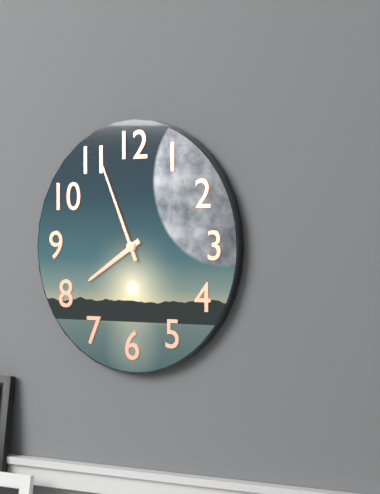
7:56
